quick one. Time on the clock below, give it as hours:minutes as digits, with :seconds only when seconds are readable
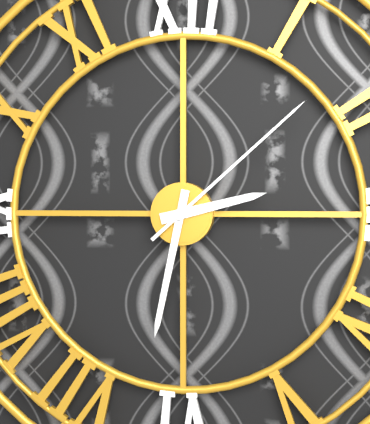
2:32:08
